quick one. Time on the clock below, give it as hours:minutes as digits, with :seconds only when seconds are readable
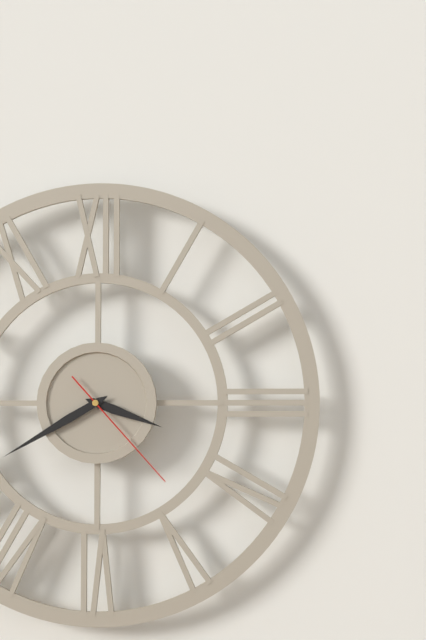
3:40:23
